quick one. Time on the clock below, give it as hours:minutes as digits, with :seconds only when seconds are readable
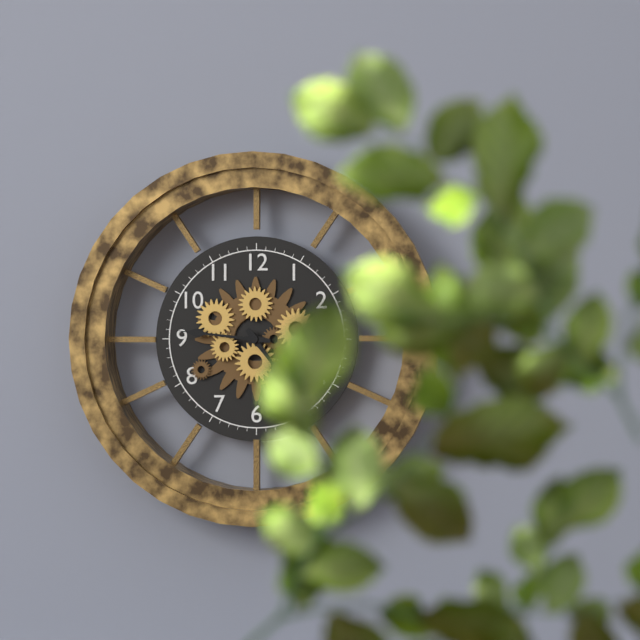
4:46
